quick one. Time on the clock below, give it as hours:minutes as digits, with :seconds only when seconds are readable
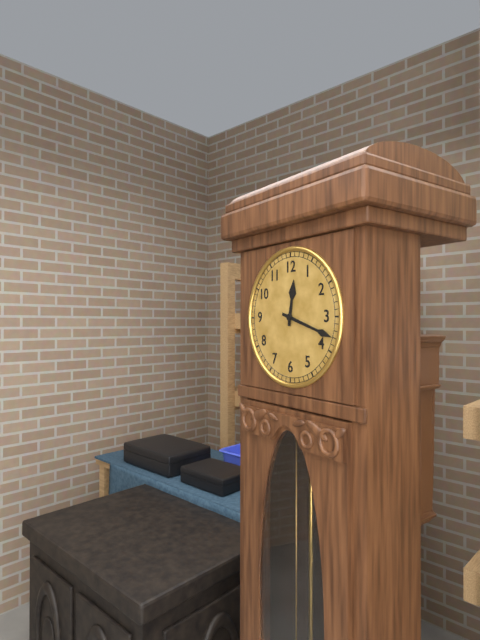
12:18
